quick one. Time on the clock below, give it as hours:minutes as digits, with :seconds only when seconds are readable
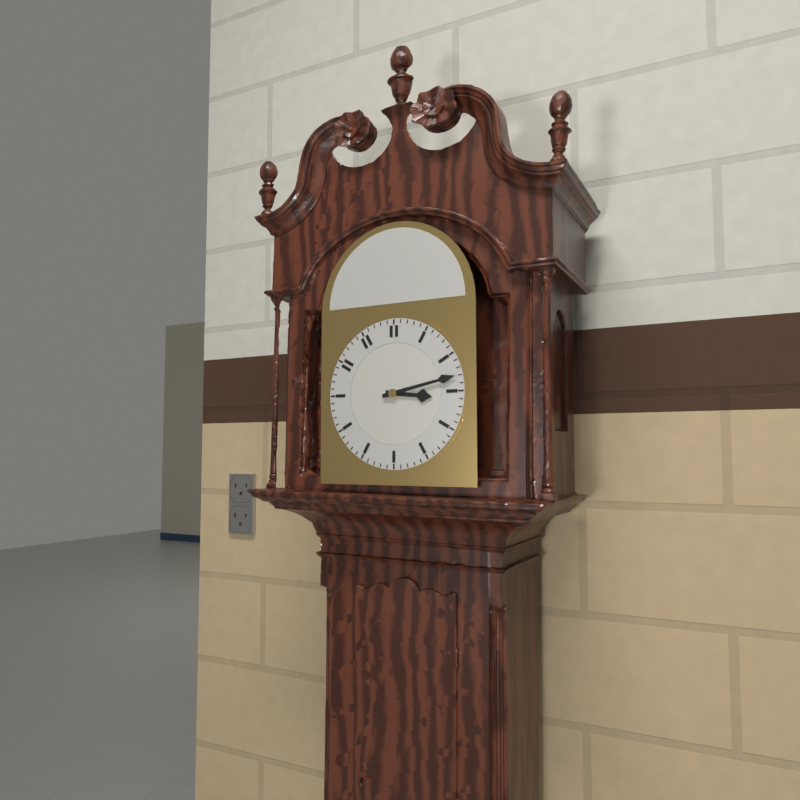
3:13
